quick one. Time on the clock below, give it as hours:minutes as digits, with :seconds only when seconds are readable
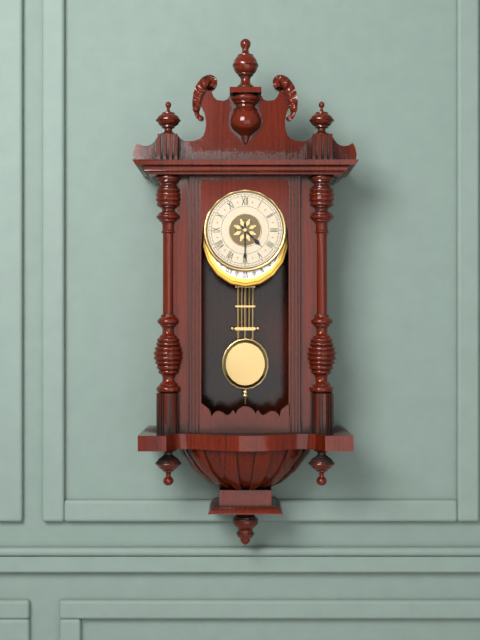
4:30
